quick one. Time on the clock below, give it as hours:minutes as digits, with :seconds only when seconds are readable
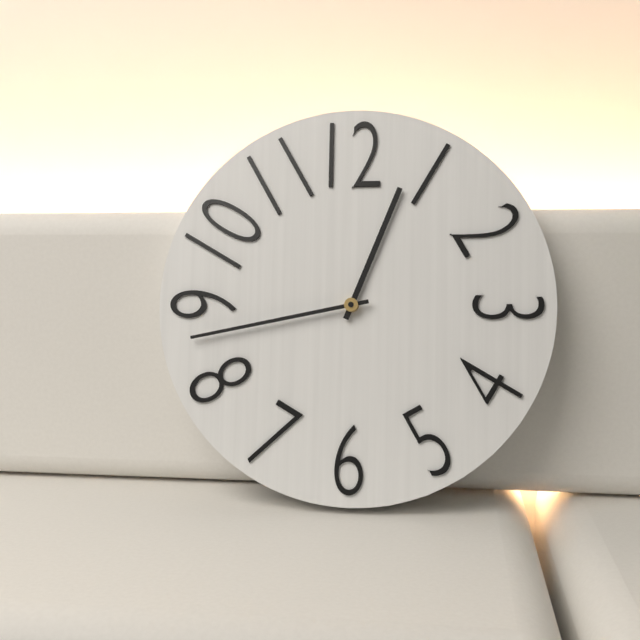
12:43
